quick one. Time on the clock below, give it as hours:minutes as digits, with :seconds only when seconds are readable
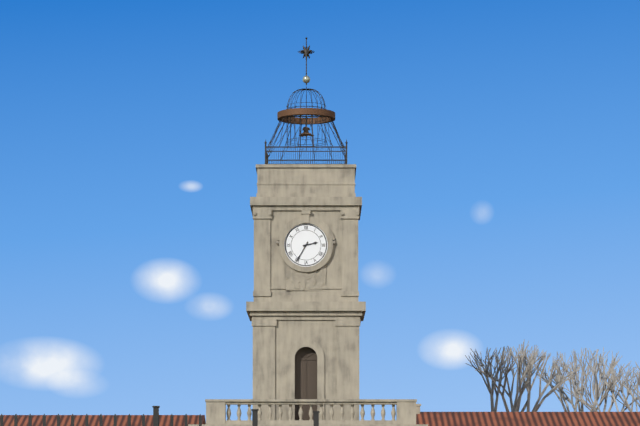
2:35
